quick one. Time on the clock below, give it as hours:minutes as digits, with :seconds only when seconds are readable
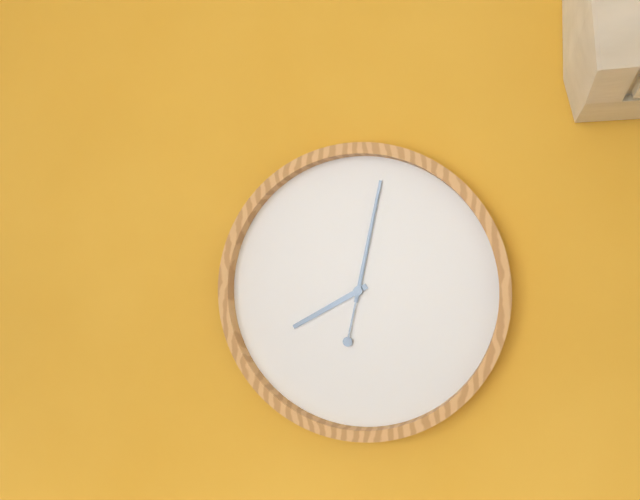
8:02:02
